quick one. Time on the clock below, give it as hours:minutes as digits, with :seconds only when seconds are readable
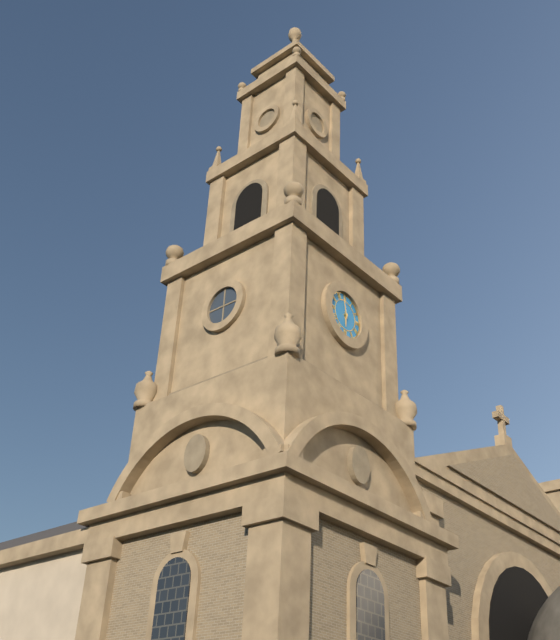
5:58
